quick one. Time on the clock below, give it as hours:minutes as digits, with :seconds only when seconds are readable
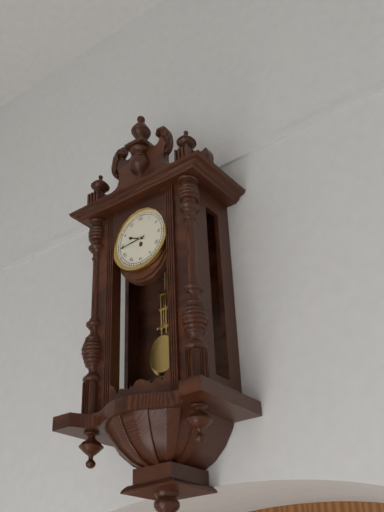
9:44
